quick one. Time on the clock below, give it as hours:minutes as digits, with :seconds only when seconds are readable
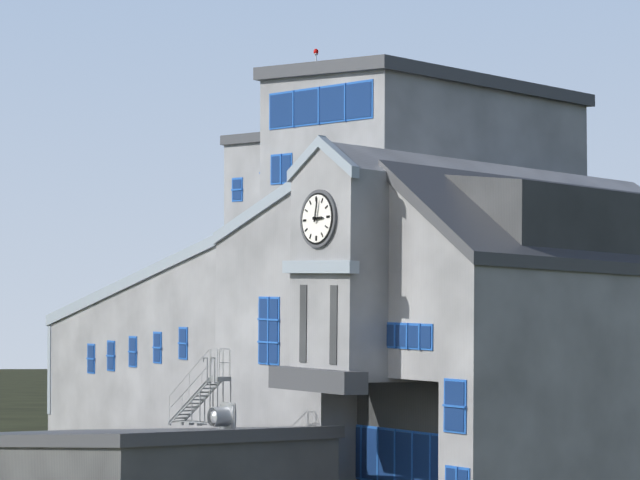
3:02
